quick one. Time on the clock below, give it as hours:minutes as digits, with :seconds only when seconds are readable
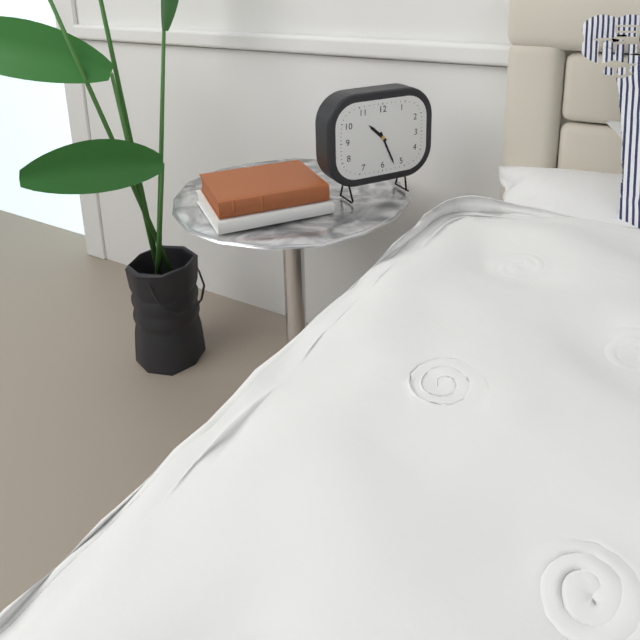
10:26
